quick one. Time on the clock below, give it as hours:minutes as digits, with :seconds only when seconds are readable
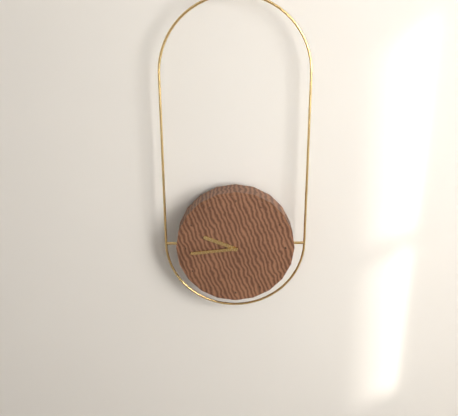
9:44
